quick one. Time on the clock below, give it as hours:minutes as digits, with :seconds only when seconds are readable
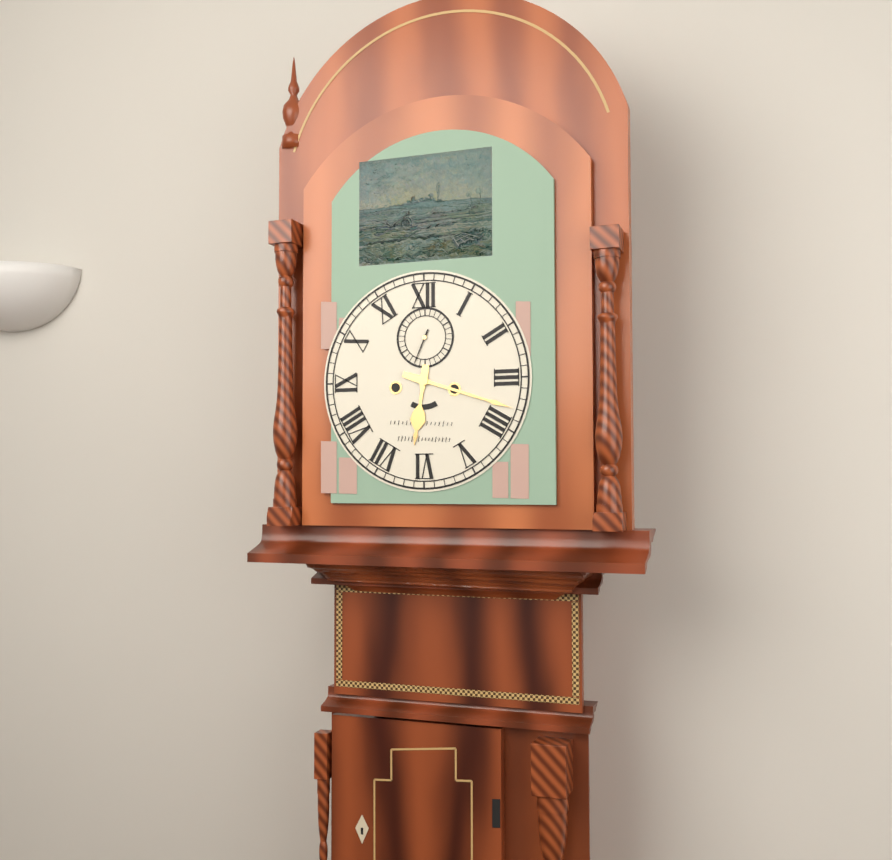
6:18
